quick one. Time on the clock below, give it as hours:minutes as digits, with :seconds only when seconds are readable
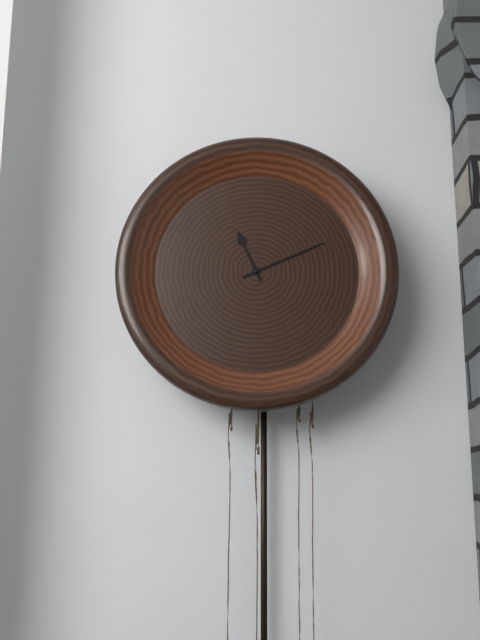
11:11
